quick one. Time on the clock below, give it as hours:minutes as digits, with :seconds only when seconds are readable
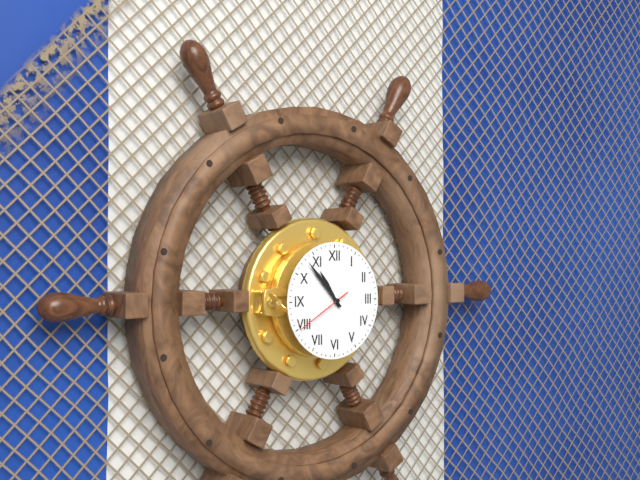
10:53:40
